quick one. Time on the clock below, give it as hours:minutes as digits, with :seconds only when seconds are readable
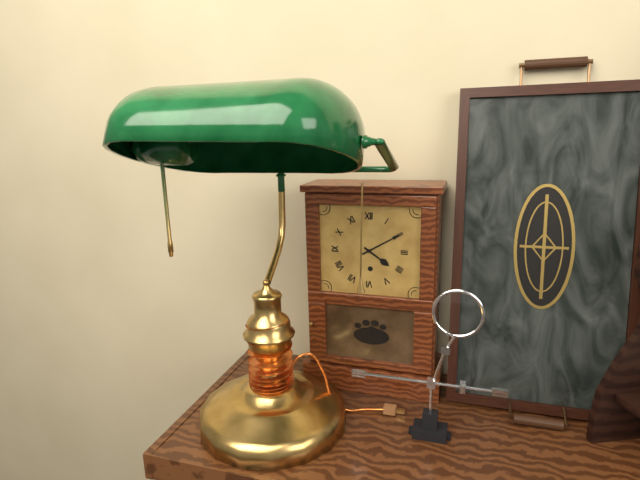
4:10
